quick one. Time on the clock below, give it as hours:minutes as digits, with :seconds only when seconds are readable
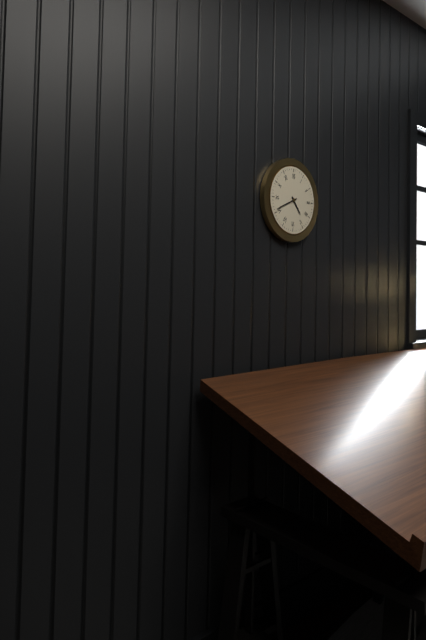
4:41
